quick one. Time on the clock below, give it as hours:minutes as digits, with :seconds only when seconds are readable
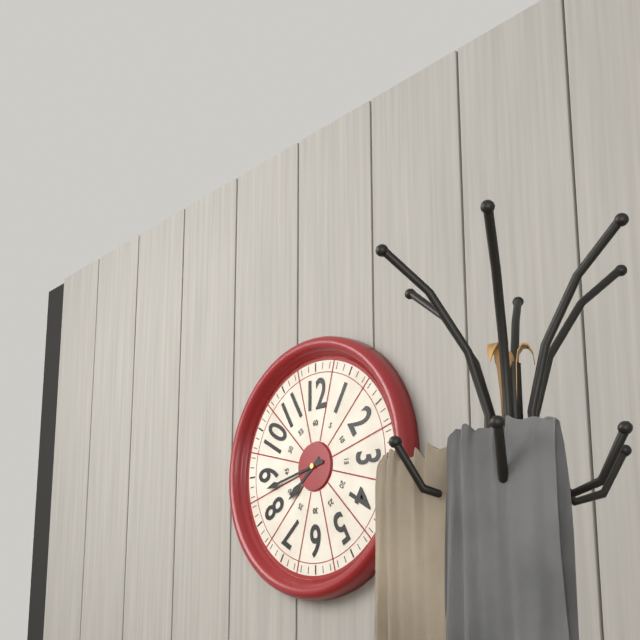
7:43
